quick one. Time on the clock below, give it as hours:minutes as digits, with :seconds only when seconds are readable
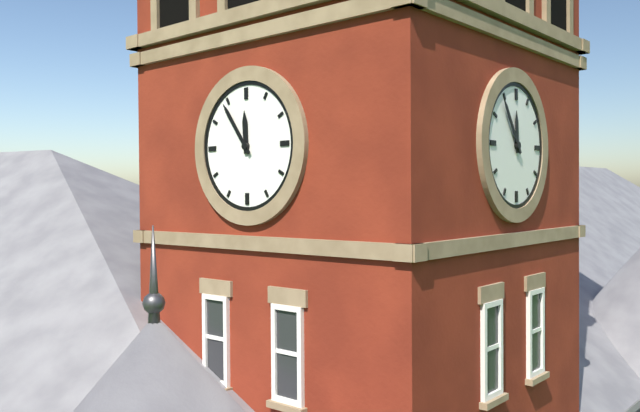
11:54
